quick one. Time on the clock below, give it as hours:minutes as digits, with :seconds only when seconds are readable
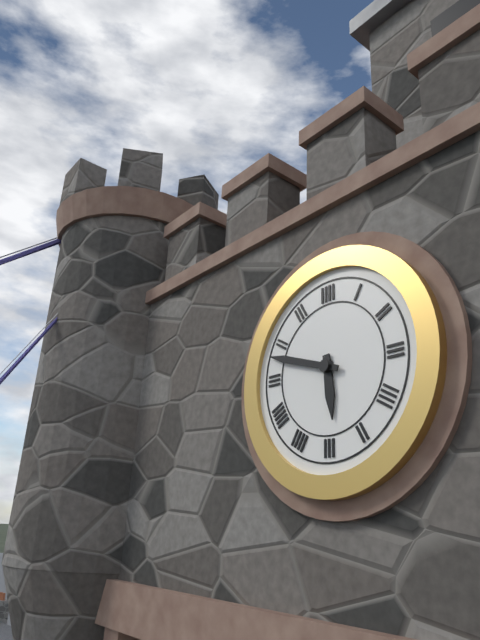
5:48
